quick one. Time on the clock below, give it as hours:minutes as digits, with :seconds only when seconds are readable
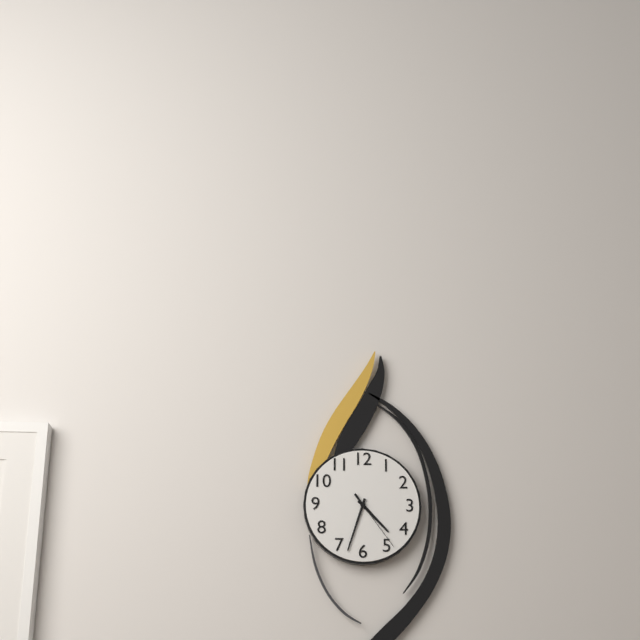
4:33:24
